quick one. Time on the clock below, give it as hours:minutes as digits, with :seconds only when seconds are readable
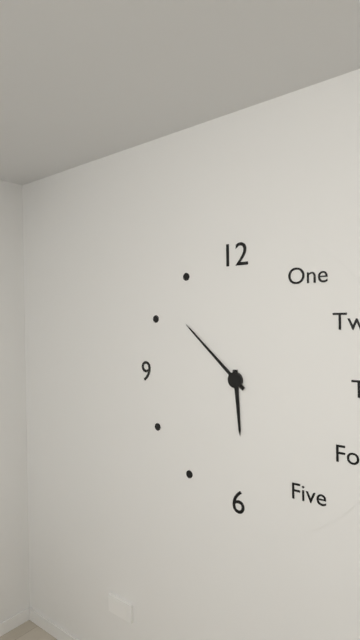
5:52
